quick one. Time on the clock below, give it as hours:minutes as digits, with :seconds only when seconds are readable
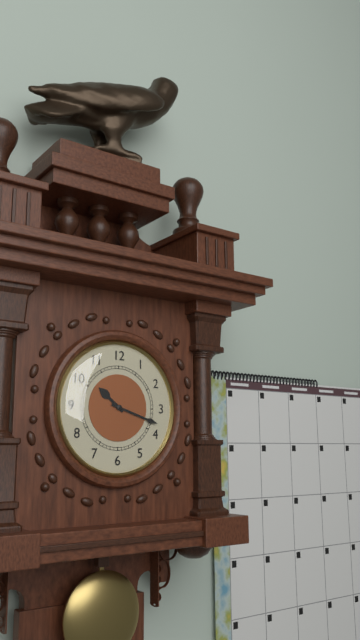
10:18
